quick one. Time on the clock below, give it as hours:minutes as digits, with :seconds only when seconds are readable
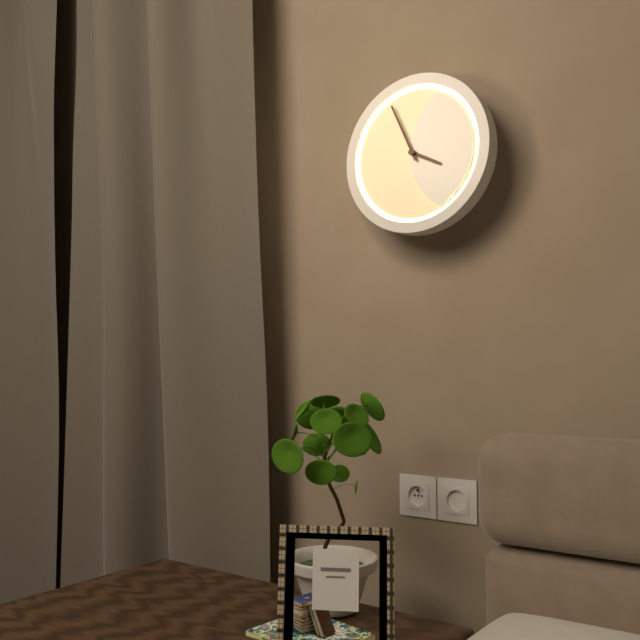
3:56
